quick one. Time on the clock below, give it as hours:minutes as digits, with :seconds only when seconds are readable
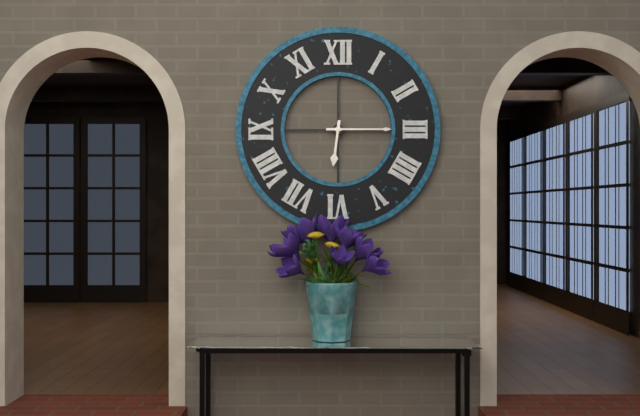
6:15
